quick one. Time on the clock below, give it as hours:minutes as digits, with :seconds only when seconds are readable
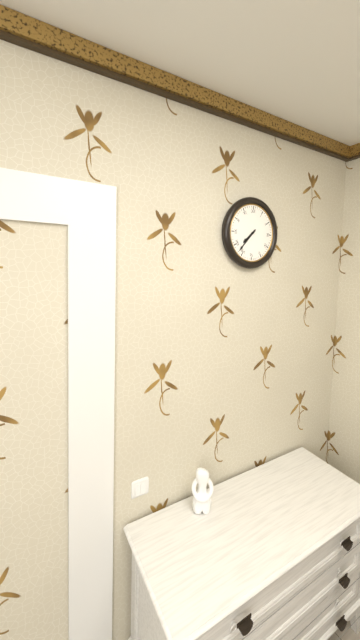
7:37
